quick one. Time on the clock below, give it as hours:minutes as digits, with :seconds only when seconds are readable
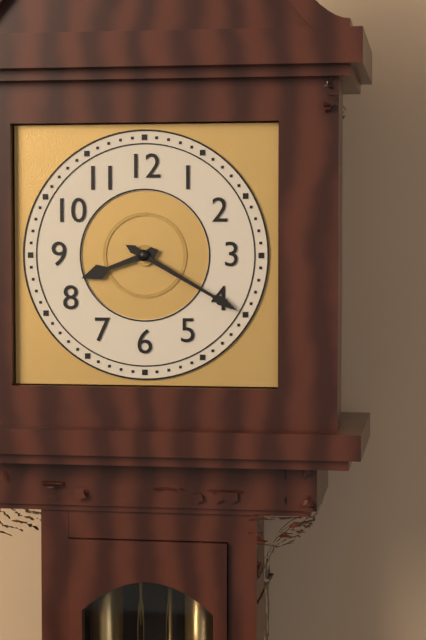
8:20
